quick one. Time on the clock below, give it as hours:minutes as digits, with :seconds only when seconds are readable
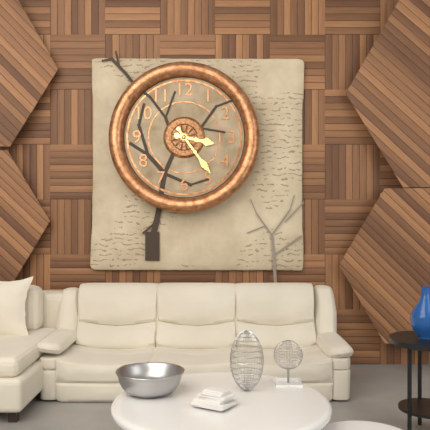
3:24
